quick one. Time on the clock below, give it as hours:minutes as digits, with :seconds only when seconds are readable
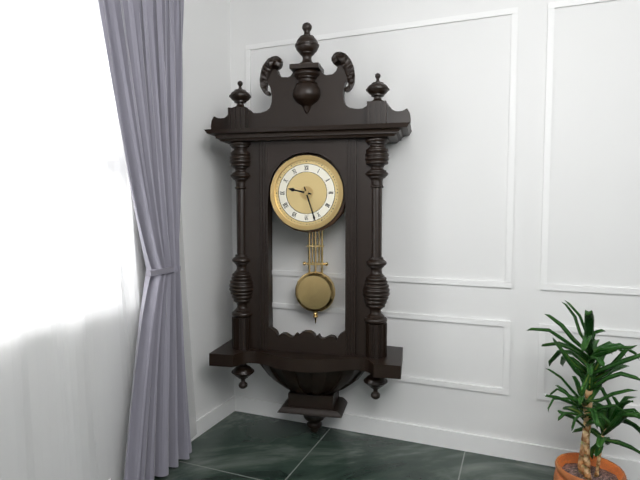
9:27
